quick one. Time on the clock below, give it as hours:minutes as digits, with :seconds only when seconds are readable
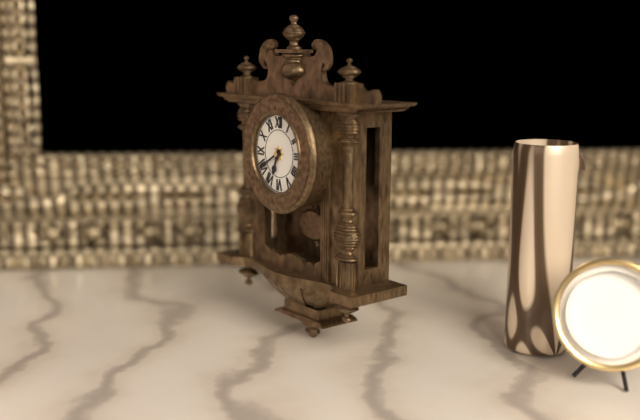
6:40
